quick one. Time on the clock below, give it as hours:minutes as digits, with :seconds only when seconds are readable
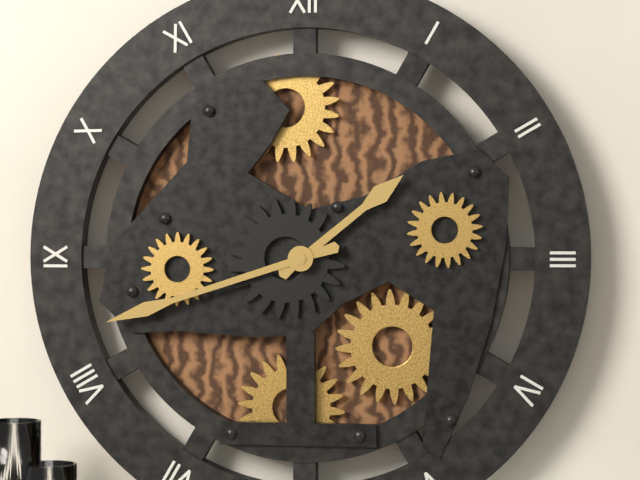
1:42
